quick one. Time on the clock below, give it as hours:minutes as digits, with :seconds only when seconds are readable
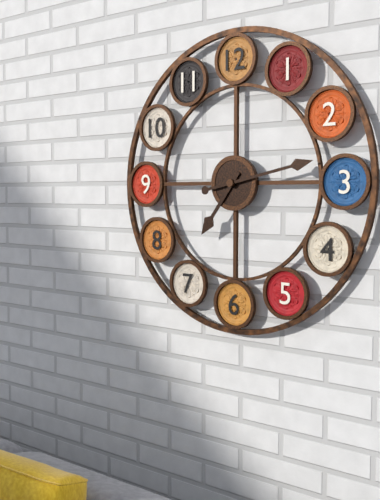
7:13
